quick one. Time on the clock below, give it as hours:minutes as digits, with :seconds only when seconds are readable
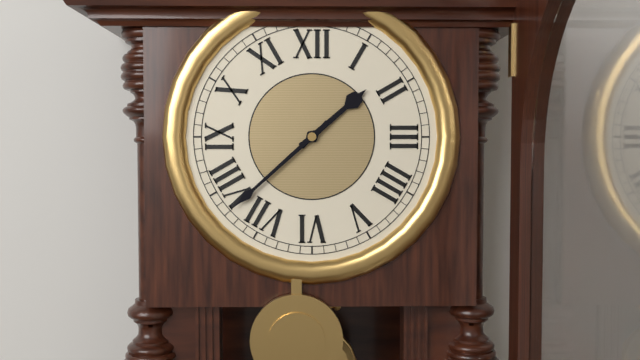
1:38
